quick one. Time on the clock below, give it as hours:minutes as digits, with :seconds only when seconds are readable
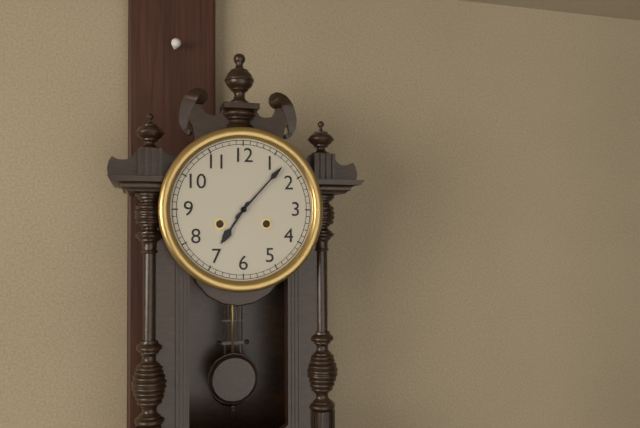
7:07
